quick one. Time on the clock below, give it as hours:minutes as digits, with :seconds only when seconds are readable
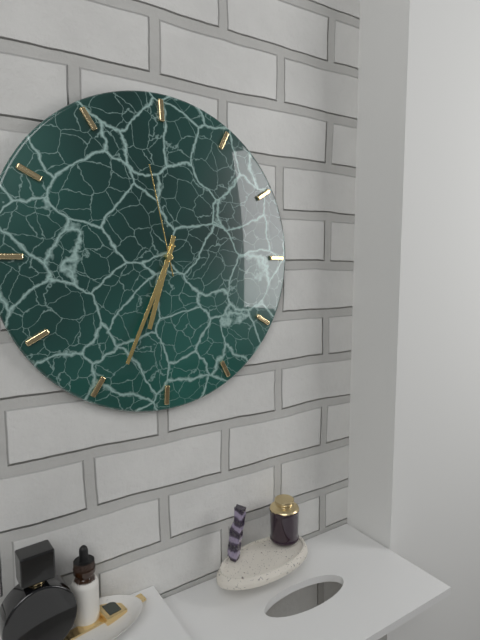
6:34:58
